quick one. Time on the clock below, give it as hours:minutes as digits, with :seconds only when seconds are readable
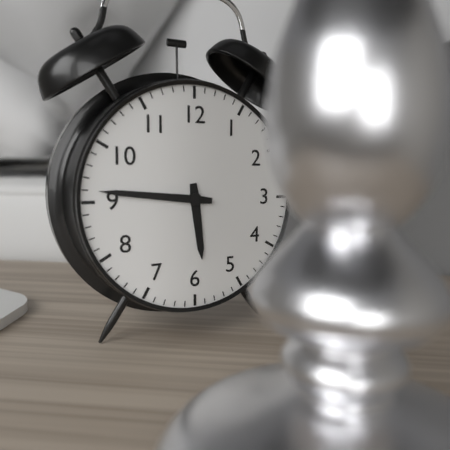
5:46
